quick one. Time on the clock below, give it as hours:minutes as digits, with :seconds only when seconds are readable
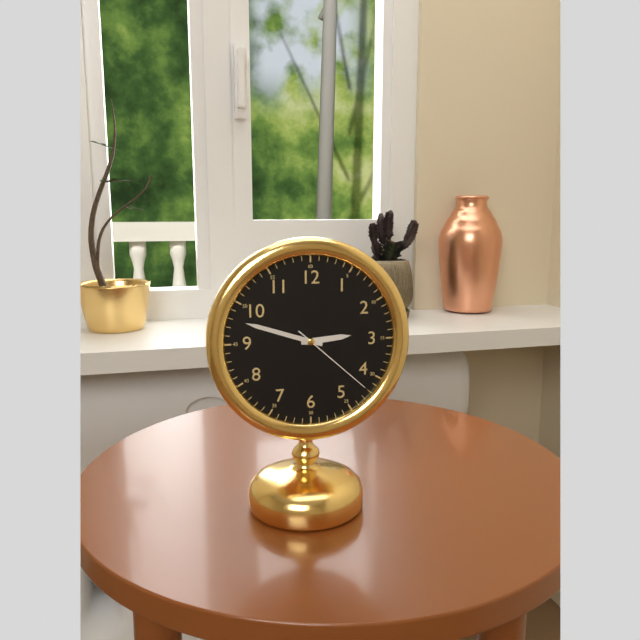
2:48:22
